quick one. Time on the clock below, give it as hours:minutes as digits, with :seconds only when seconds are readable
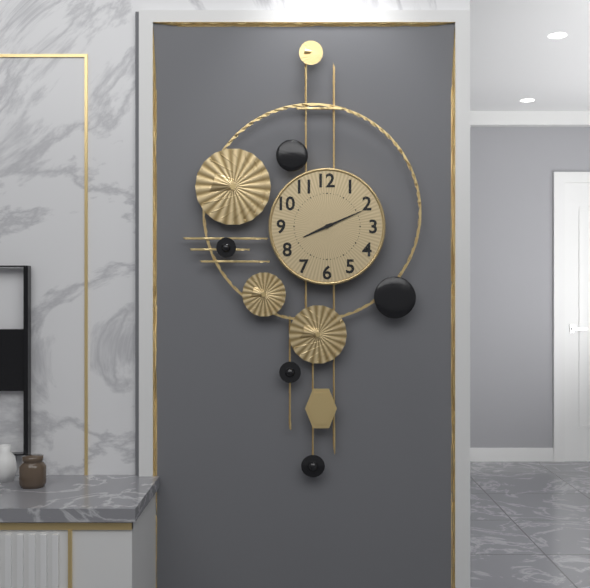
8:11
